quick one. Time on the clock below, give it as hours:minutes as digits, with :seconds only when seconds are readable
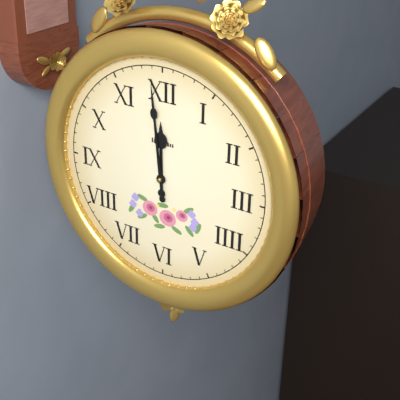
11:59
